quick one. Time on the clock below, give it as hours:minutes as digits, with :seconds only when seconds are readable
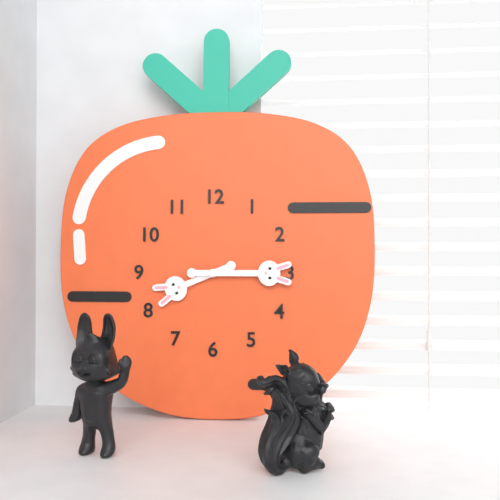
8:15
